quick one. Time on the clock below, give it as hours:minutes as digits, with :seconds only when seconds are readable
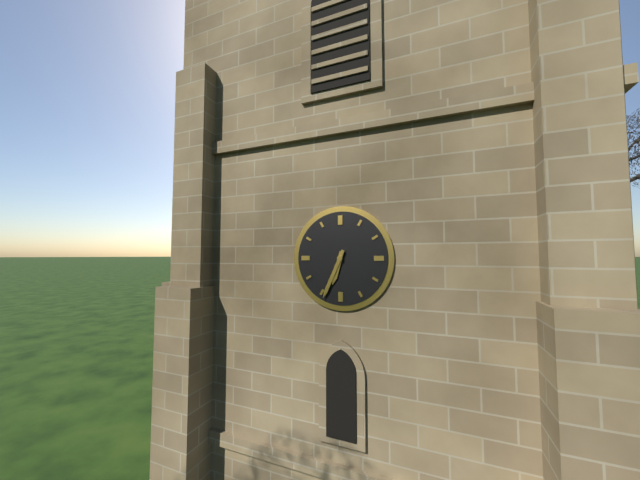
6:34
